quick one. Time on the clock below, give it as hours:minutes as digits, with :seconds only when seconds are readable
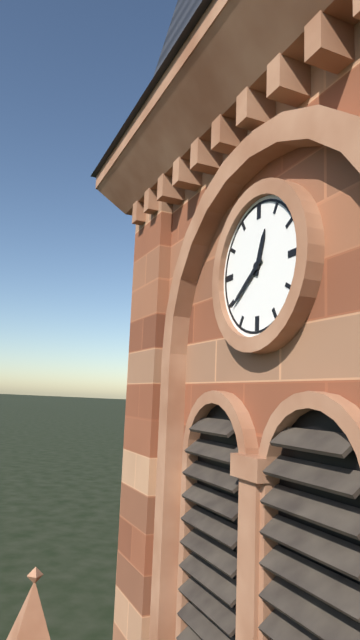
12:39
